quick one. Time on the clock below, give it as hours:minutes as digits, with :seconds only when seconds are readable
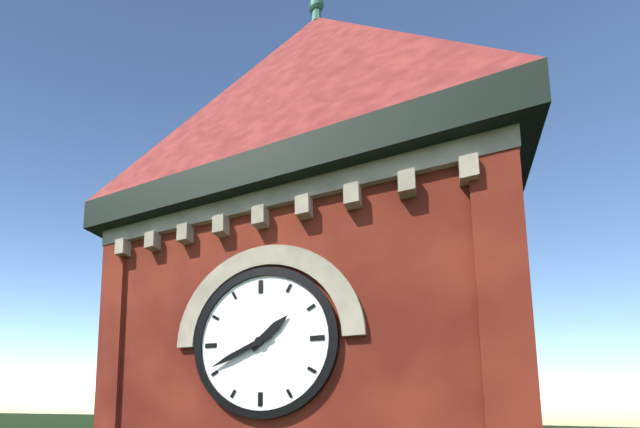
1:41
